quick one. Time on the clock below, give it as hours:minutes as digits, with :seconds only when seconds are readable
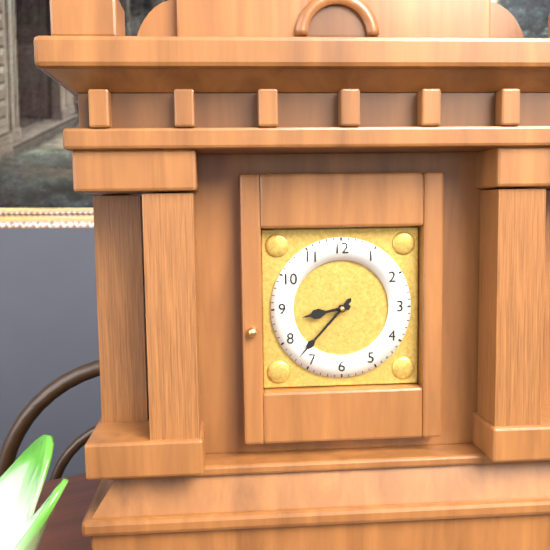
8:37
